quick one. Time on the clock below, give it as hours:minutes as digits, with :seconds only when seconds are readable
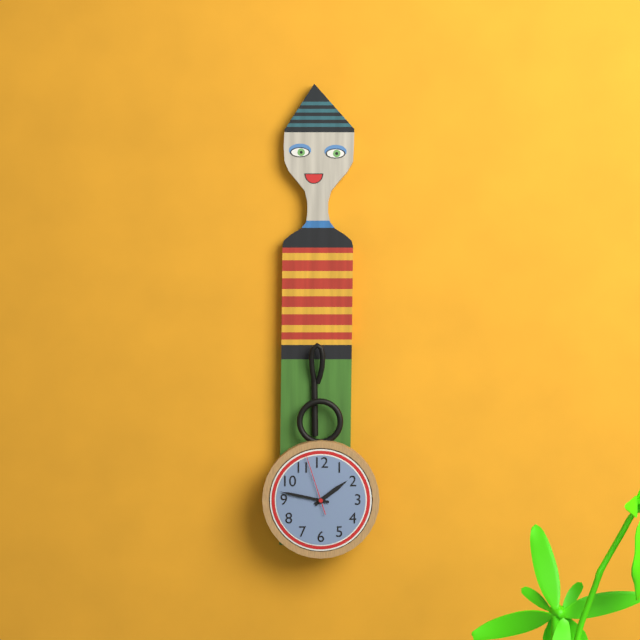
1:47:57
